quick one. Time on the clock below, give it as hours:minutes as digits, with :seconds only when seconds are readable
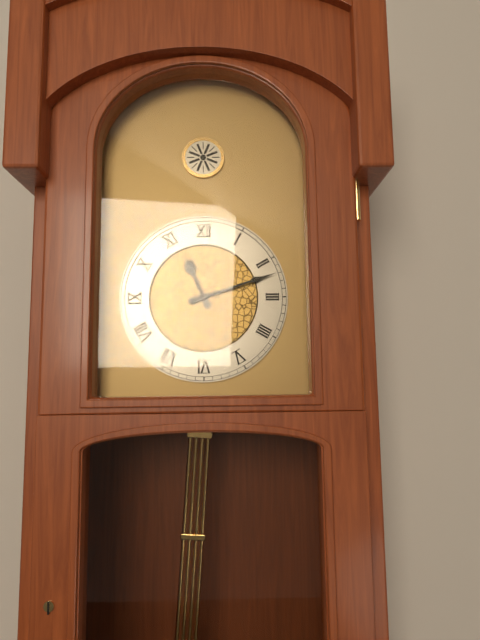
11:12
